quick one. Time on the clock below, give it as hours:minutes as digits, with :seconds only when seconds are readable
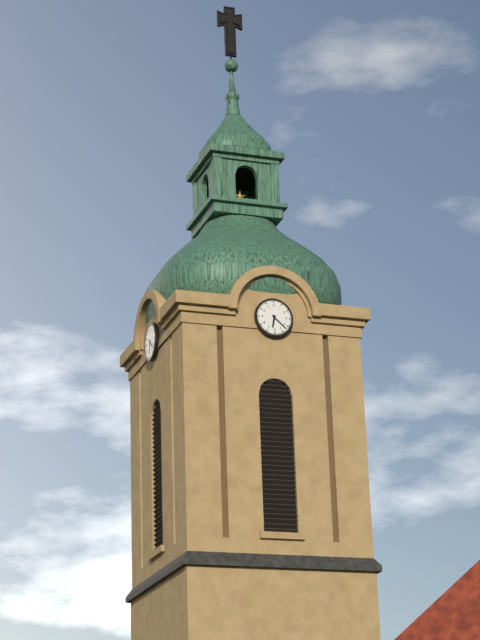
6:22
